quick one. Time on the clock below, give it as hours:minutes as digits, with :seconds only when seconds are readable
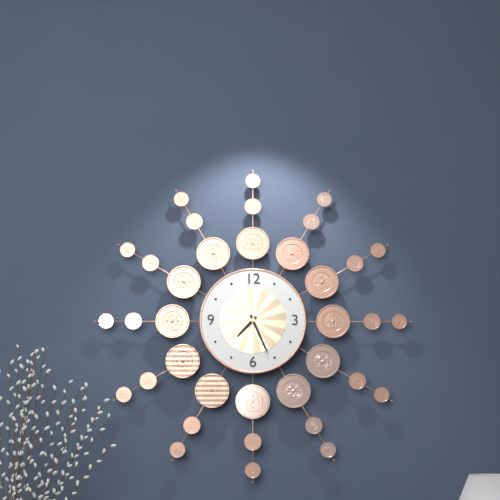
7:26
